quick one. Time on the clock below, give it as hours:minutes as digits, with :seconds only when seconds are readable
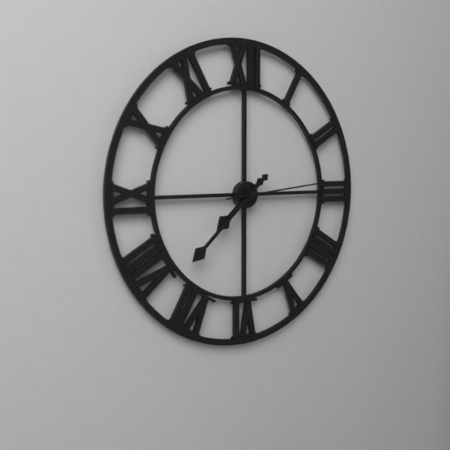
7:38:14
